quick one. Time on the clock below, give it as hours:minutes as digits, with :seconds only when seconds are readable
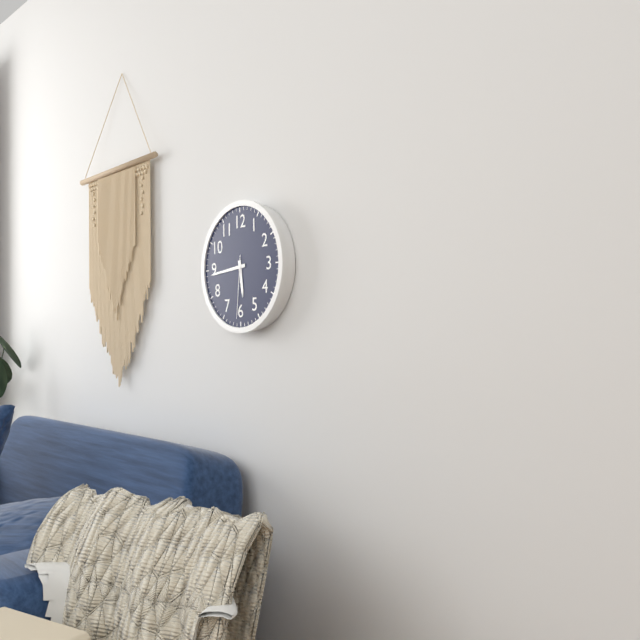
5:44:31
